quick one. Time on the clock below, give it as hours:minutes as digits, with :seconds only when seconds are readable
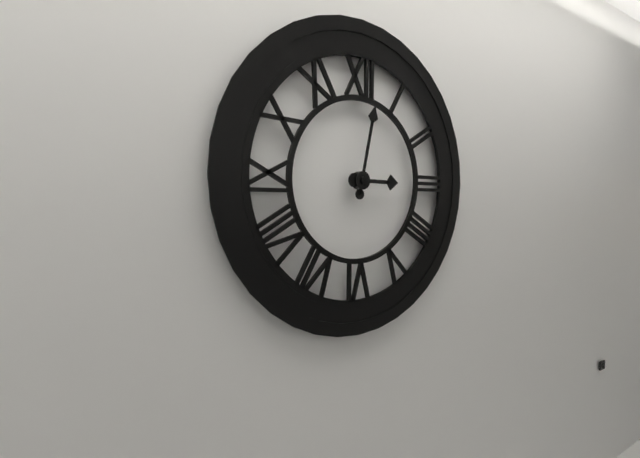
3:02
